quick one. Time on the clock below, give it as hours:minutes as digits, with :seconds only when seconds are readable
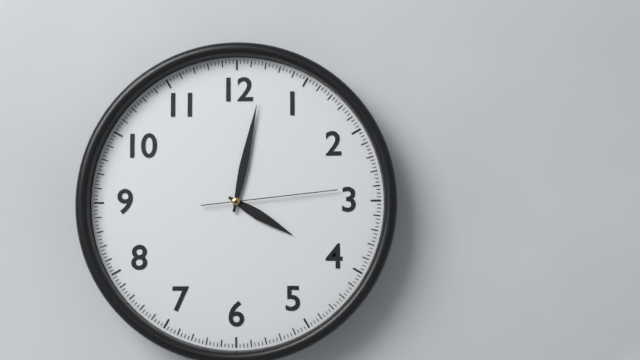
4:02:14
